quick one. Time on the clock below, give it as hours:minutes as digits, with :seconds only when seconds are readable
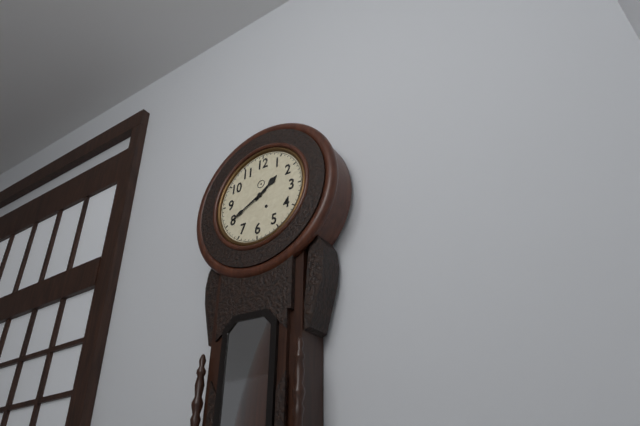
1:40
